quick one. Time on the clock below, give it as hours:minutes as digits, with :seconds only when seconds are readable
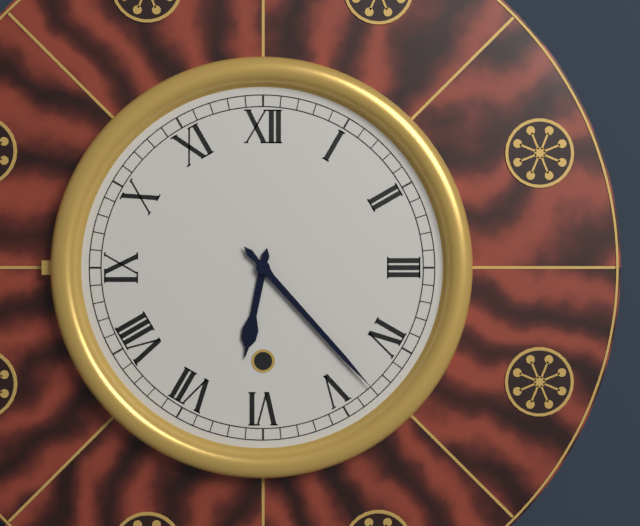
6:23
